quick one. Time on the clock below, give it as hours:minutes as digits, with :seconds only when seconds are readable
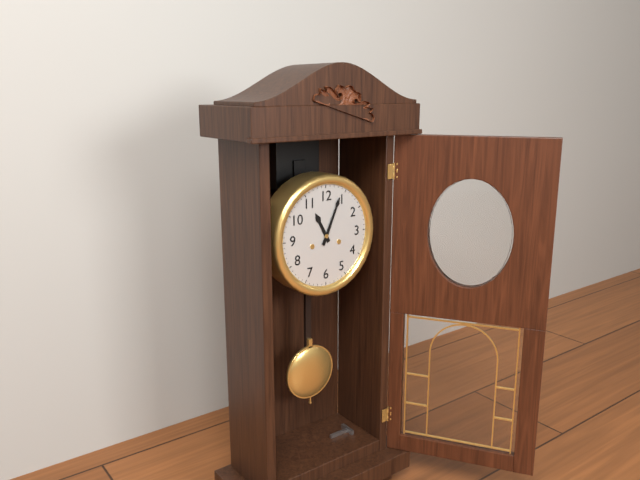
11:04
